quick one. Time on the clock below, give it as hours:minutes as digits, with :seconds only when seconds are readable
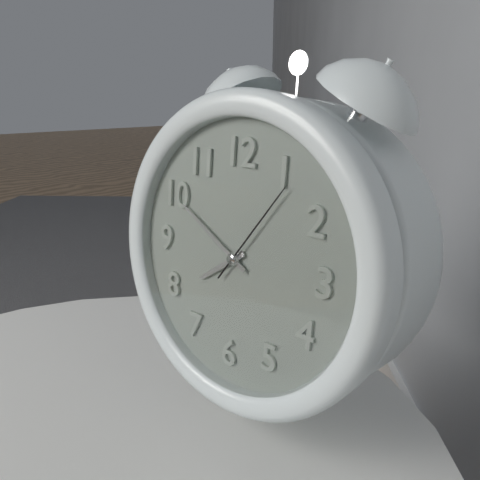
7:50:06
